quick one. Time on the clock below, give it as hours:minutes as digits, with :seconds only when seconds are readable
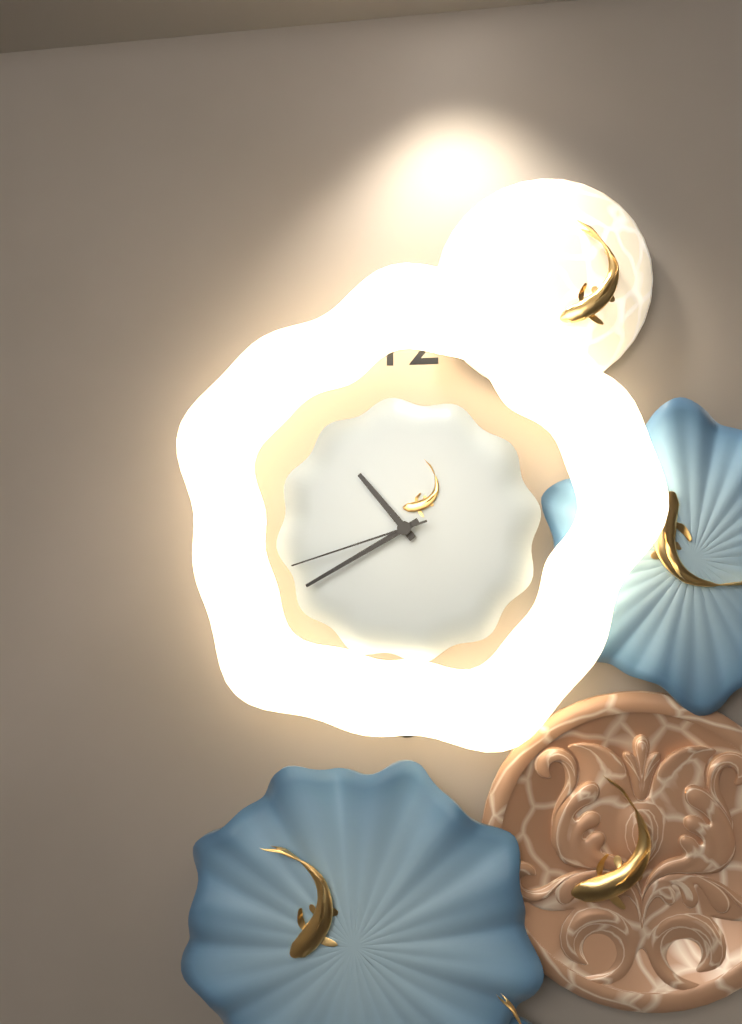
10:40:42
